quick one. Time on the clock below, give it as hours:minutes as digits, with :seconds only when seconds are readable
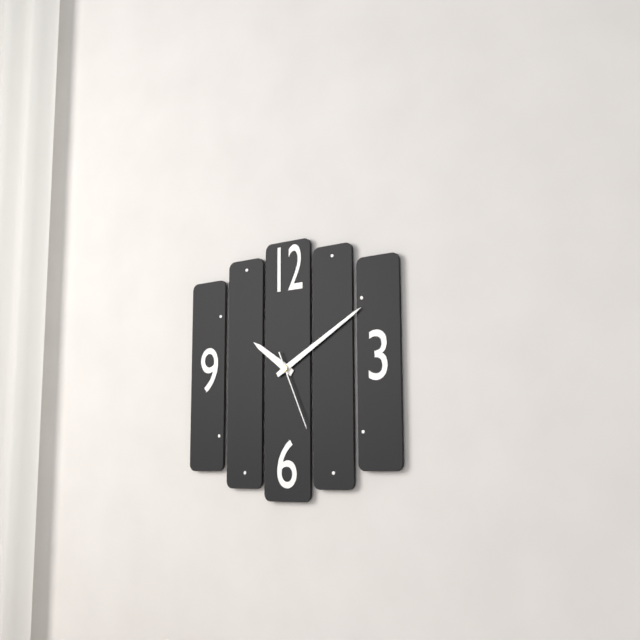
10:10:26
